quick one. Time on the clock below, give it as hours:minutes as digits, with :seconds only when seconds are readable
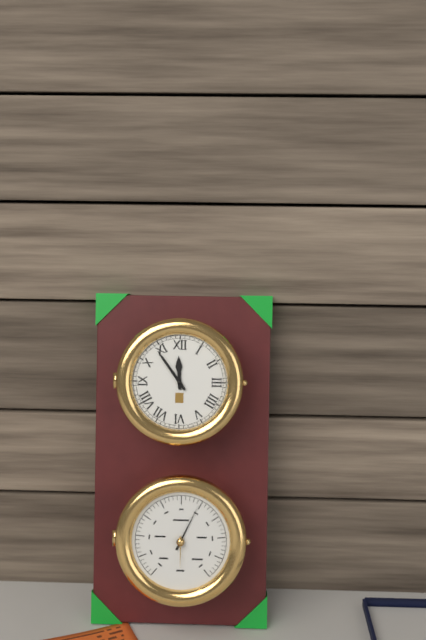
11:54
